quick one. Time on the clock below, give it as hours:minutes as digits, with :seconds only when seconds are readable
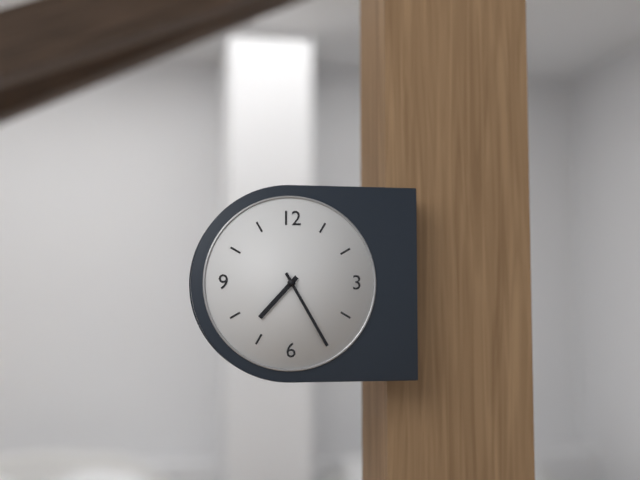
7:25
